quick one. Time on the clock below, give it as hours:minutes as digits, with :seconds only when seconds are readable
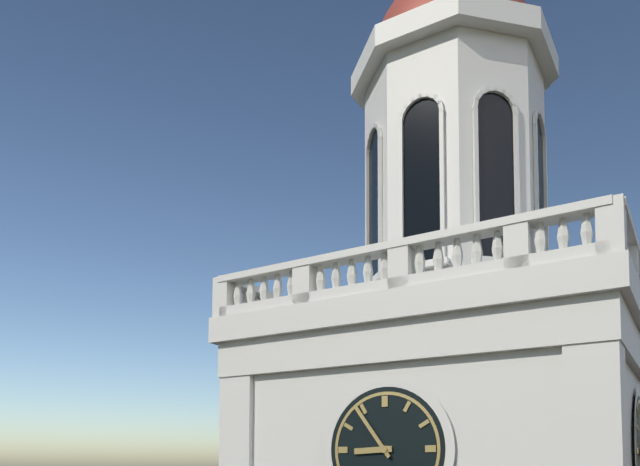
8:54
